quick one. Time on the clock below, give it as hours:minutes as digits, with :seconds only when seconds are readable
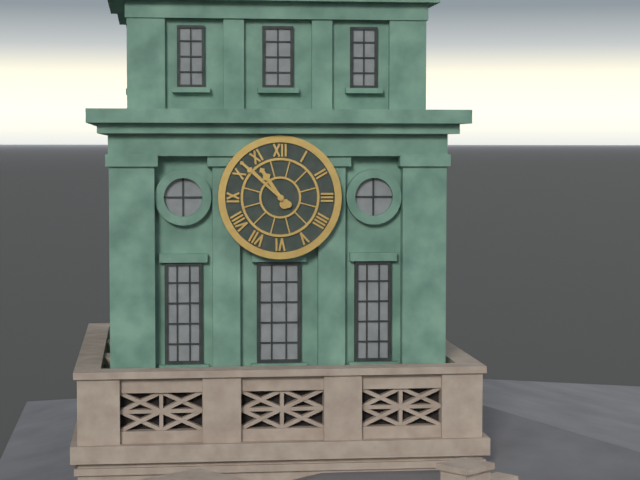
10:52
